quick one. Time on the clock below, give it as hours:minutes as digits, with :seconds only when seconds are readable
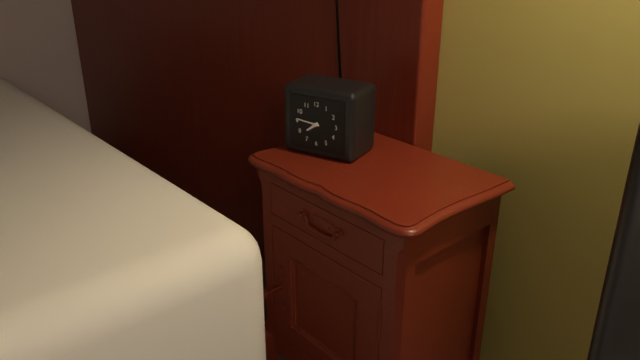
7:46
